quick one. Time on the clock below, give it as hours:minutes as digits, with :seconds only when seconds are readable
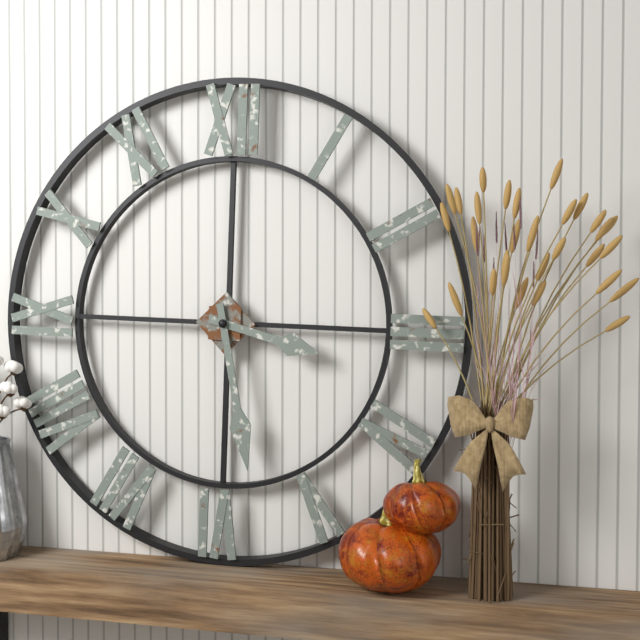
3:28
